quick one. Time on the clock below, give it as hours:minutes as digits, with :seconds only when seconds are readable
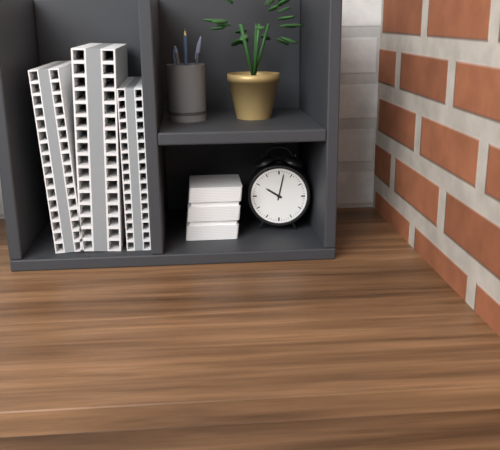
10:02
